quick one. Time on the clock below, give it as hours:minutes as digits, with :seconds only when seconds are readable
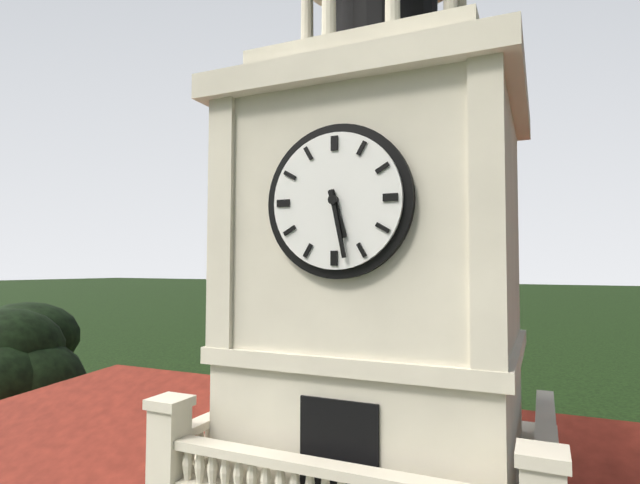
5:28
